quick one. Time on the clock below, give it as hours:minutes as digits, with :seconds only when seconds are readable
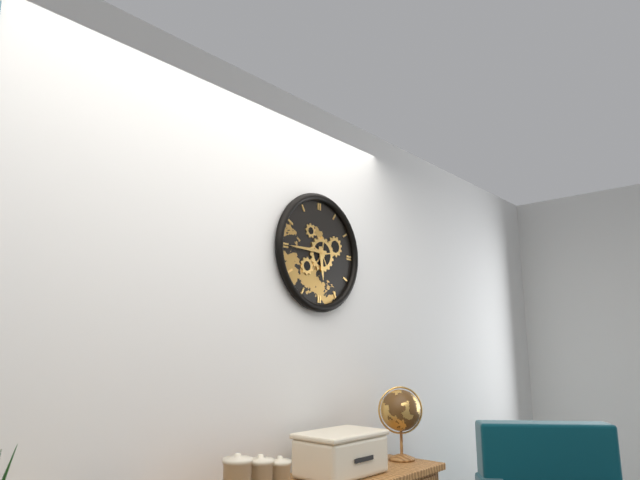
5:45
